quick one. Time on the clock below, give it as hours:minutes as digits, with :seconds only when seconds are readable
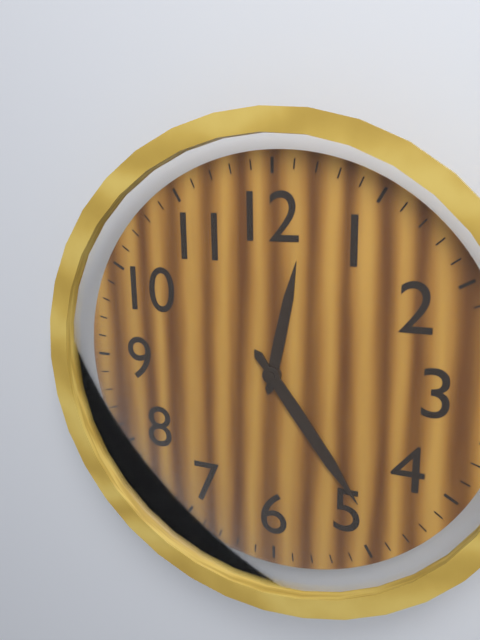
12:24
